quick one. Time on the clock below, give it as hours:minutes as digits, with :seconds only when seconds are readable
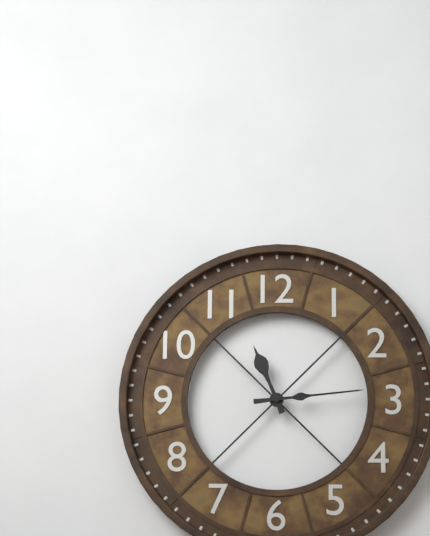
11:14
